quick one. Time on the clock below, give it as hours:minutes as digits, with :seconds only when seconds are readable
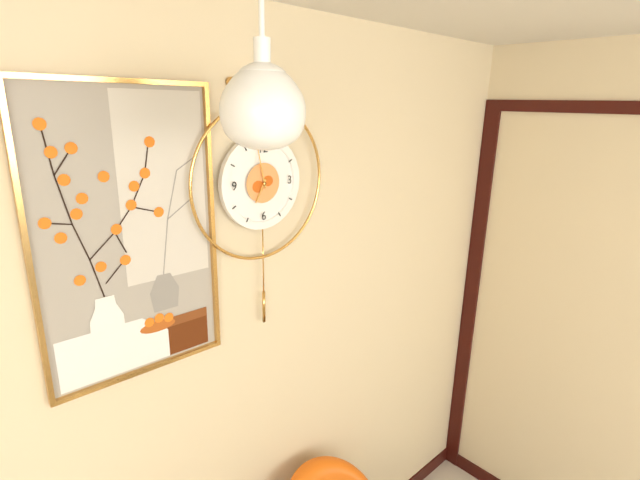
6:58
